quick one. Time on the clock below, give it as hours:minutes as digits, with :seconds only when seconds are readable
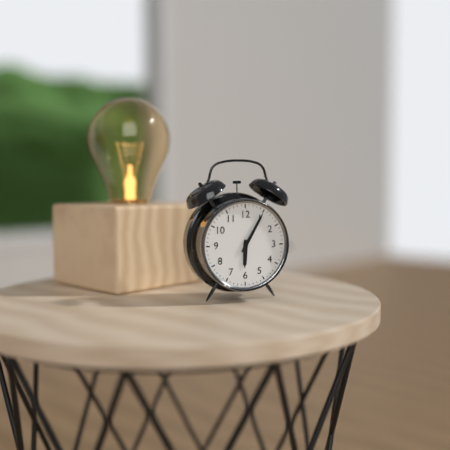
6:05
